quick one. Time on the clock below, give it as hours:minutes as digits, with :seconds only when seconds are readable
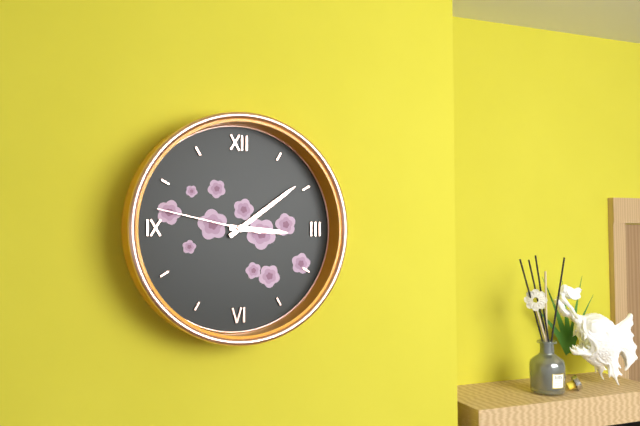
3:09:47
